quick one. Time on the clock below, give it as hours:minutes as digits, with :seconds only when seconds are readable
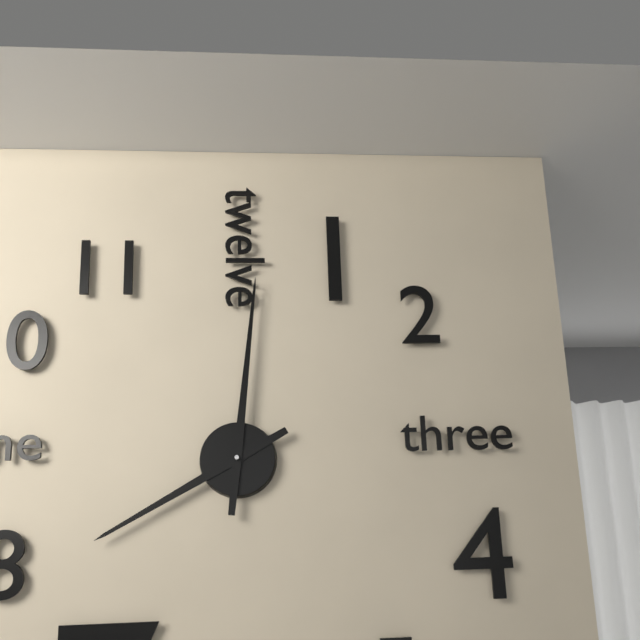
8:01
